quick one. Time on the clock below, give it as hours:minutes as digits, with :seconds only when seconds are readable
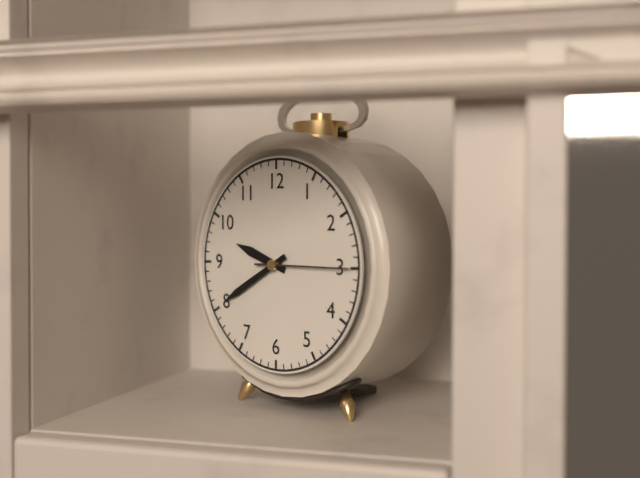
9:40:15
